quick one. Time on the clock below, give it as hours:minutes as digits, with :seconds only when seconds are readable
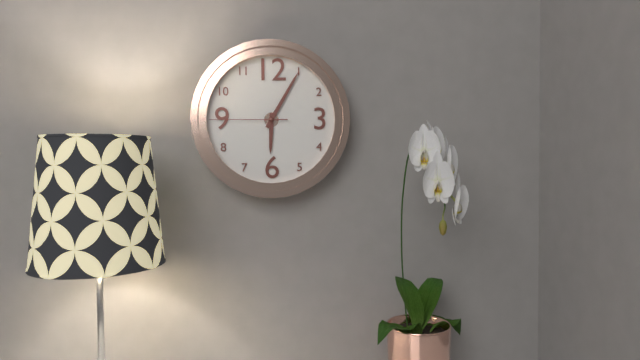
6:05:45
